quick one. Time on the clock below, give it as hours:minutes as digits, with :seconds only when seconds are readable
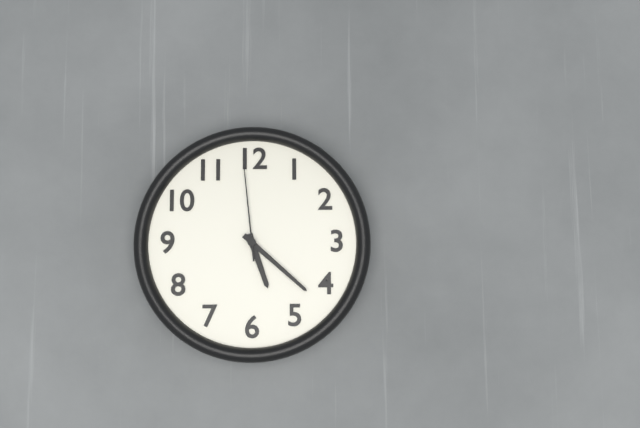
5:22:59
